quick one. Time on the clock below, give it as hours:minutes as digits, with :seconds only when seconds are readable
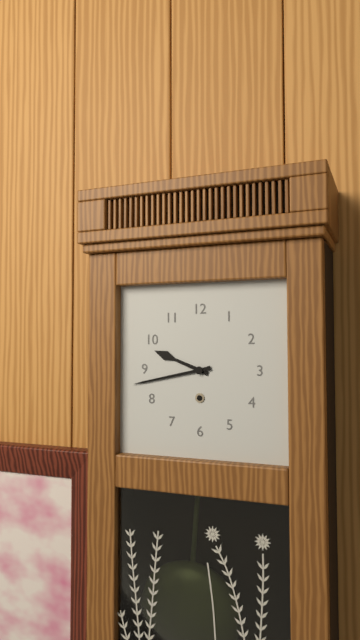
9:43
